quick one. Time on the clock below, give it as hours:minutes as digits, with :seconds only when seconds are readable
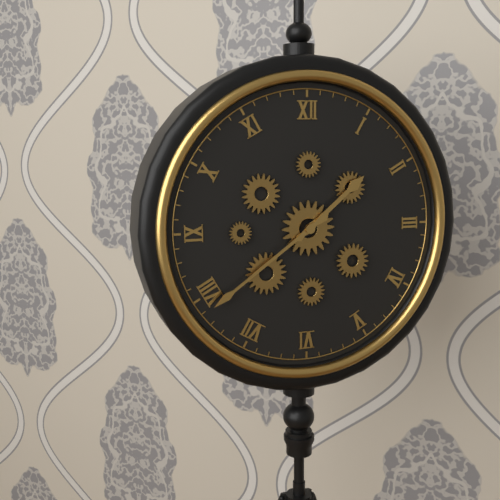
1:39
